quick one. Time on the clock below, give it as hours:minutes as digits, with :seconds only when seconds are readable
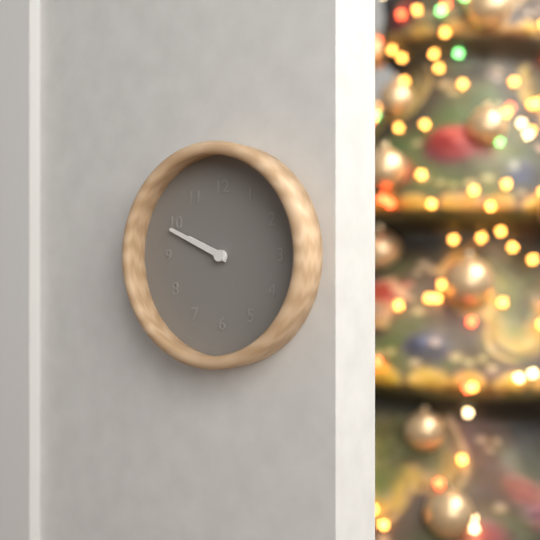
9:49
